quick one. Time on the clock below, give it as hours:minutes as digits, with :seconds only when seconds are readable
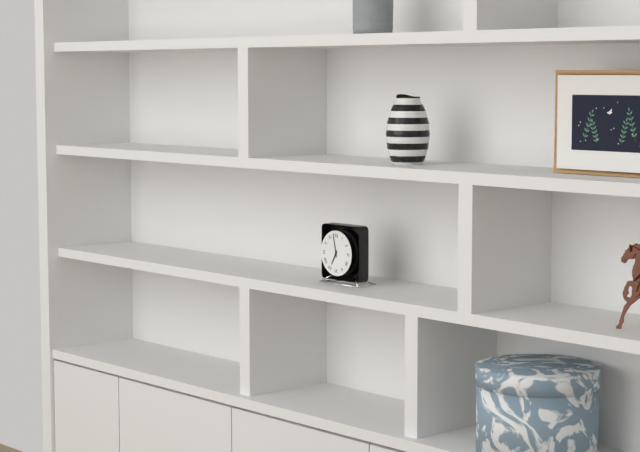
6:58
